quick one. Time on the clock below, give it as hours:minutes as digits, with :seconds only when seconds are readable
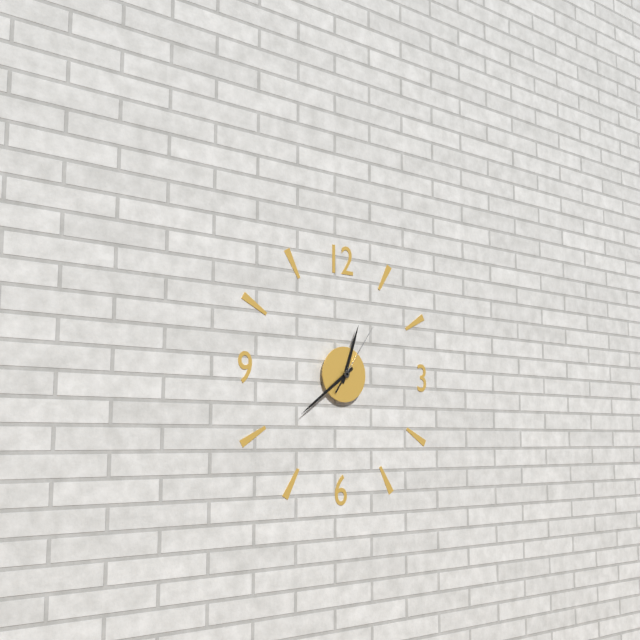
12:39:06
